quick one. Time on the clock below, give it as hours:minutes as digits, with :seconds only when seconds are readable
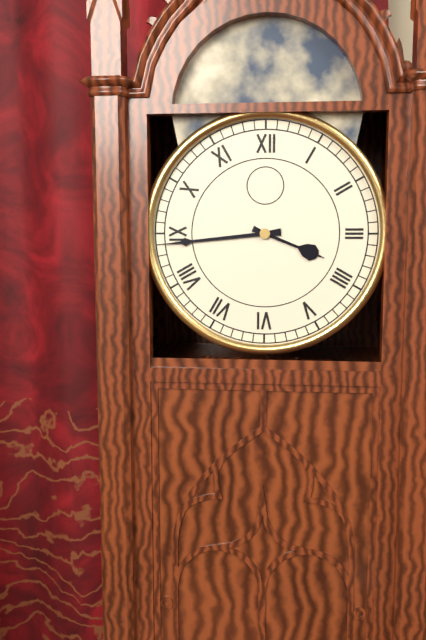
3:44
